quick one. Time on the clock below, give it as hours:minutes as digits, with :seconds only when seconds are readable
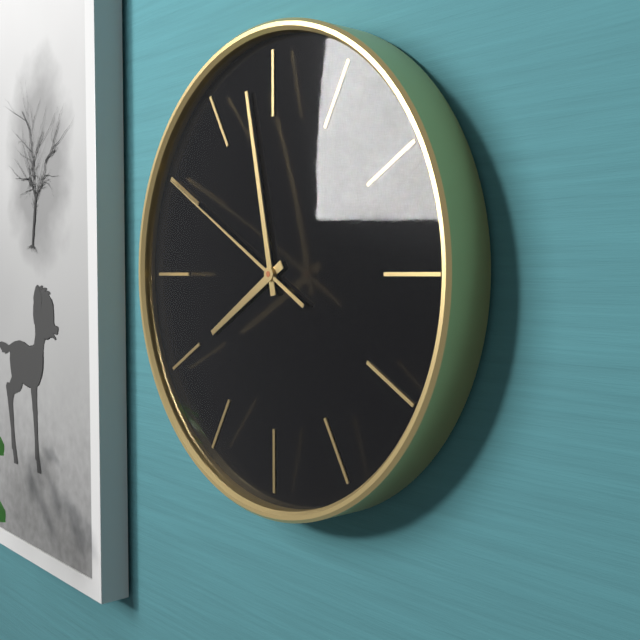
7:58:50
